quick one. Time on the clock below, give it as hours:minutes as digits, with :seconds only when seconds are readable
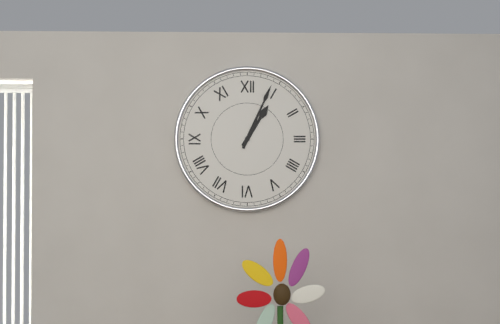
1:04
